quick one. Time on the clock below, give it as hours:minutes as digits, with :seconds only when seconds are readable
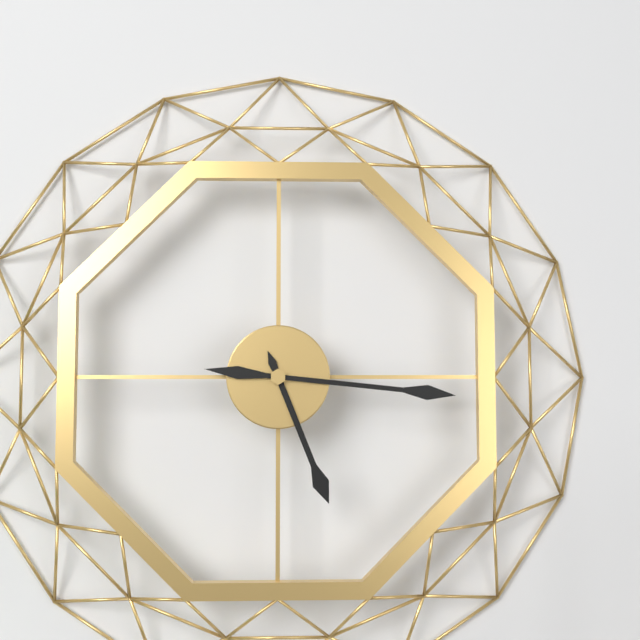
5:16
